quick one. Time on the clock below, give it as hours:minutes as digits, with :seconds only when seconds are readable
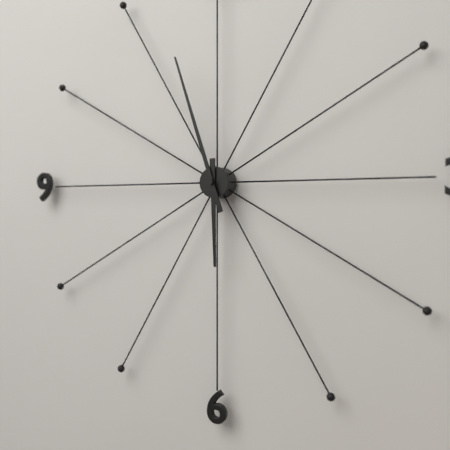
5:57
